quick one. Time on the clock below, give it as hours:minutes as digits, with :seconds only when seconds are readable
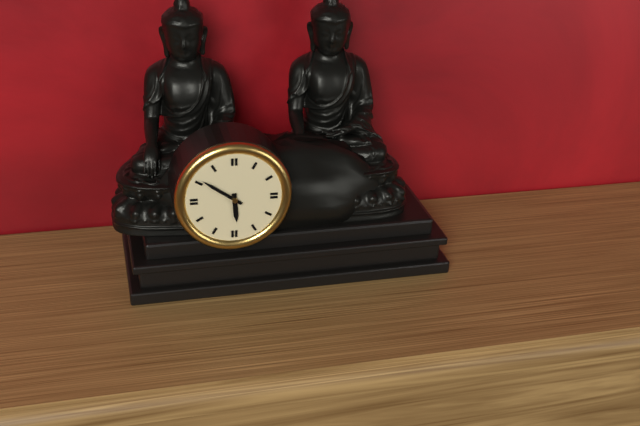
5:51
